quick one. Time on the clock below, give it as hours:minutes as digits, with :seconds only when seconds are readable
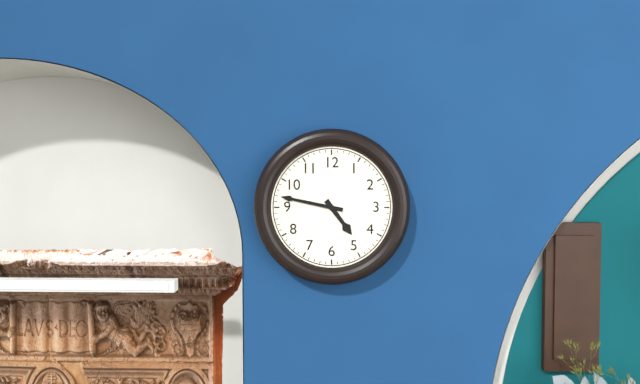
4:47
